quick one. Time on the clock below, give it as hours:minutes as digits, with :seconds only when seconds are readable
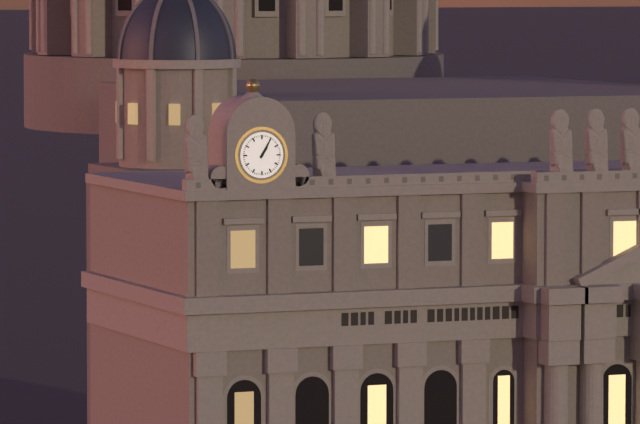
1:05
